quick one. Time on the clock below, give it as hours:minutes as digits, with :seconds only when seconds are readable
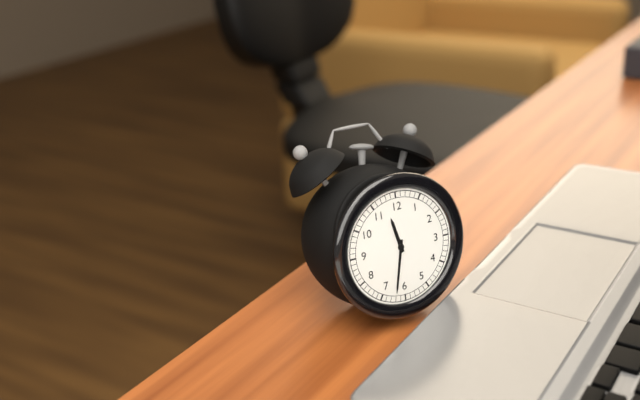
11:32
